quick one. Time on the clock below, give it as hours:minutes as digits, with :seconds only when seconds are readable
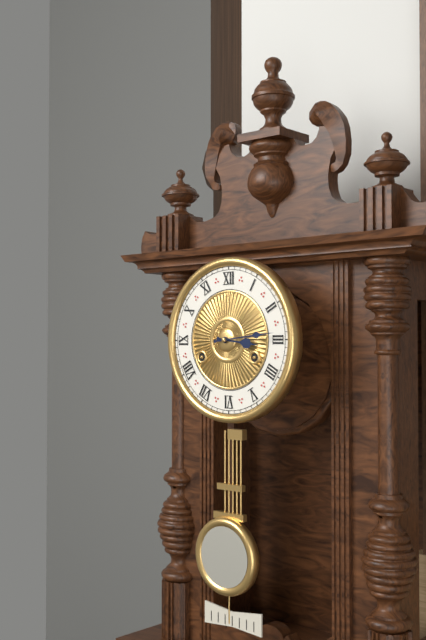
3:14
